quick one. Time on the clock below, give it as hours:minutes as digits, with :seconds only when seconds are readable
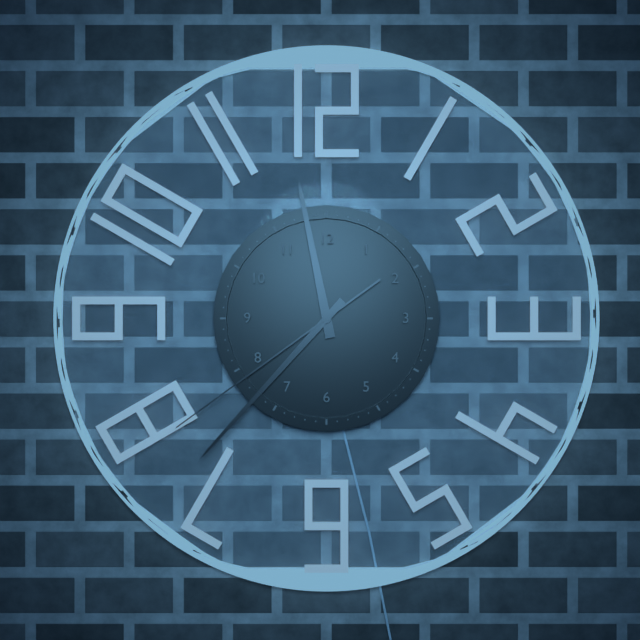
11:37:39
